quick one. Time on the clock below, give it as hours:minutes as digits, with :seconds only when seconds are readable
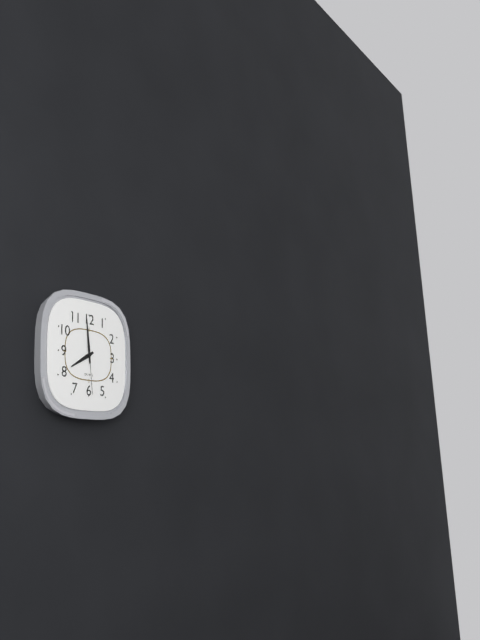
7:59
